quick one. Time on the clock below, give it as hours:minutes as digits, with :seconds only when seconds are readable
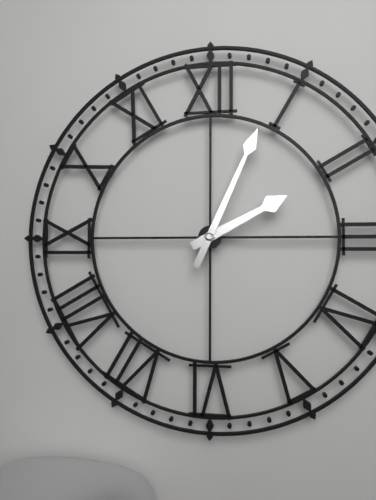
2:04
